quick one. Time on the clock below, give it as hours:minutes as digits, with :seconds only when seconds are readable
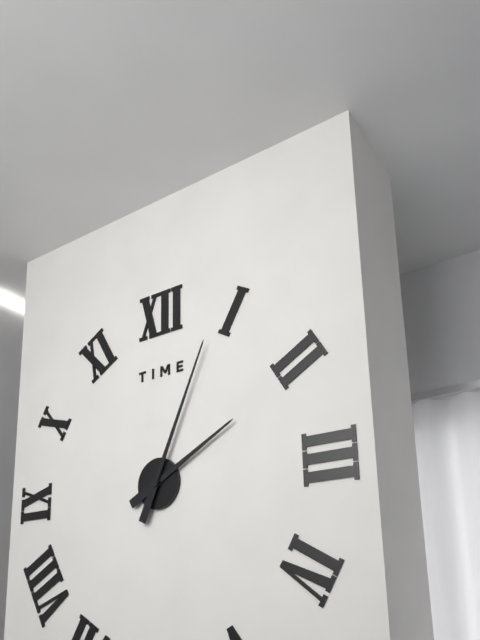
2:04
